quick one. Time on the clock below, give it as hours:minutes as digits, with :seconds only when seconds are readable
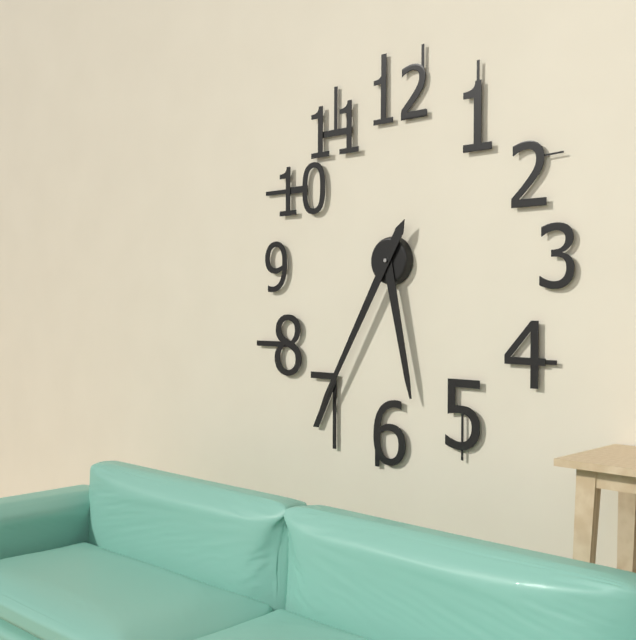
5:35
